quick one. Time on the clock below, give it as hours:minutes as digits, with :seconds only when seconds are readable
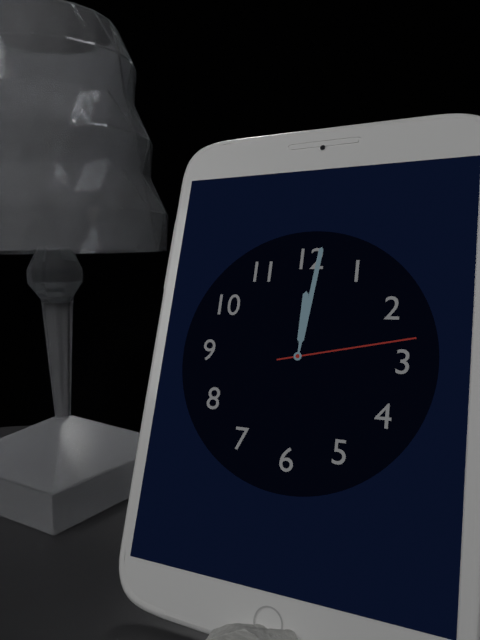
12:01:13
